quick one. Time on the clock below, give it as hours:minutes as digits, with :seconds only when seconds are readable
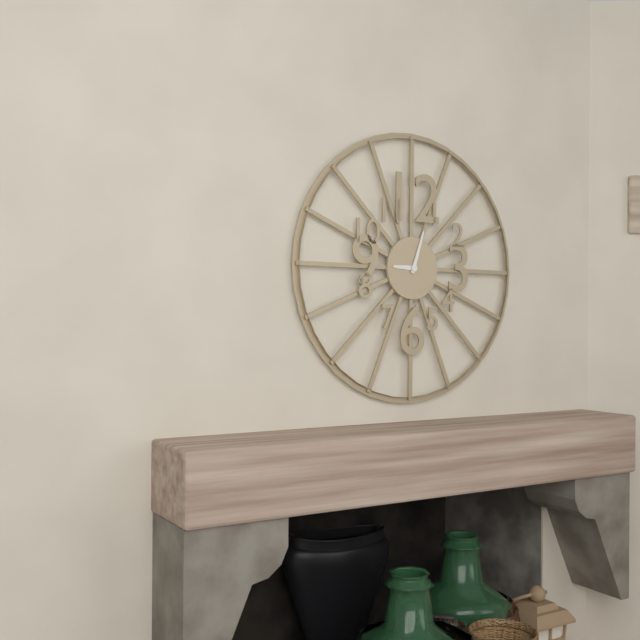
9:03
